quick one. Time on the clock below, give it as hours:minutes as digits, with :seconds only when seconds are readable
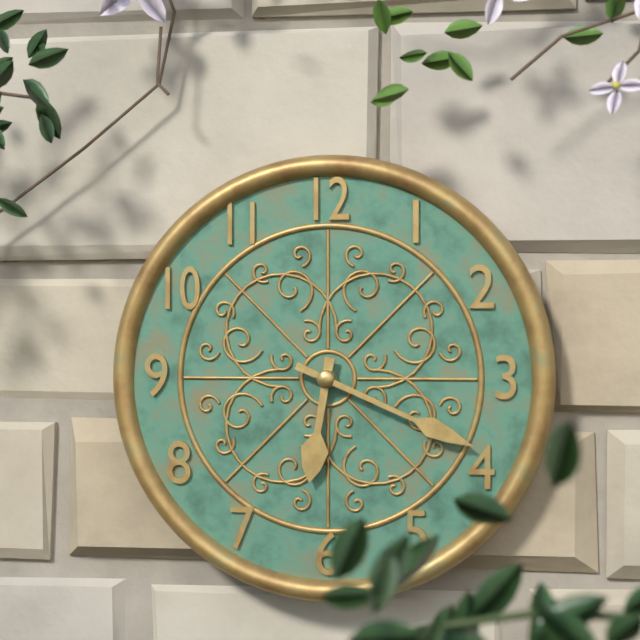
6:19
